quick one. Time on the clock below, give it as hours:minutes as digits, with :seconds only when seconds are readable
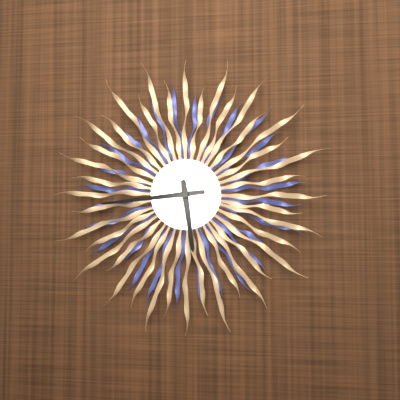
5:44
